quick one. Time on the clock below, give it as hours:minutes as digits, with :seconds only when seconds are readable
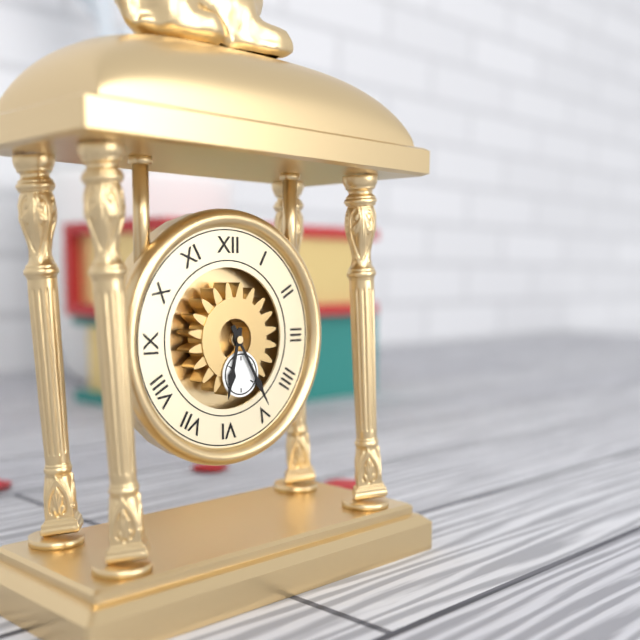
6:25
